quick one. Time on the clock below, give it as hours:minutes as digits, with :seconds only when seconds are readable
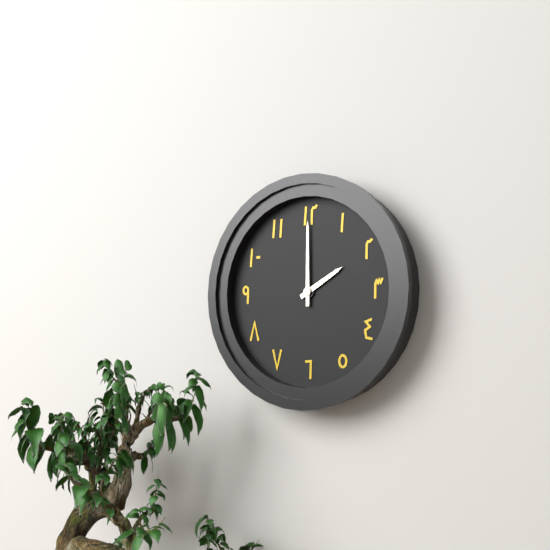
2:00
